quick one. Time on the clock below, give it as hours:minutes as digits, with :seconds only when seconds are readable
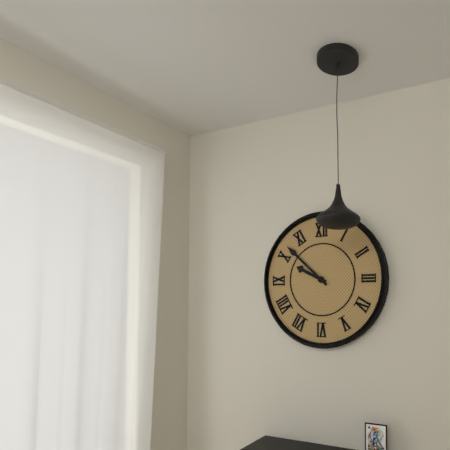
9:52
